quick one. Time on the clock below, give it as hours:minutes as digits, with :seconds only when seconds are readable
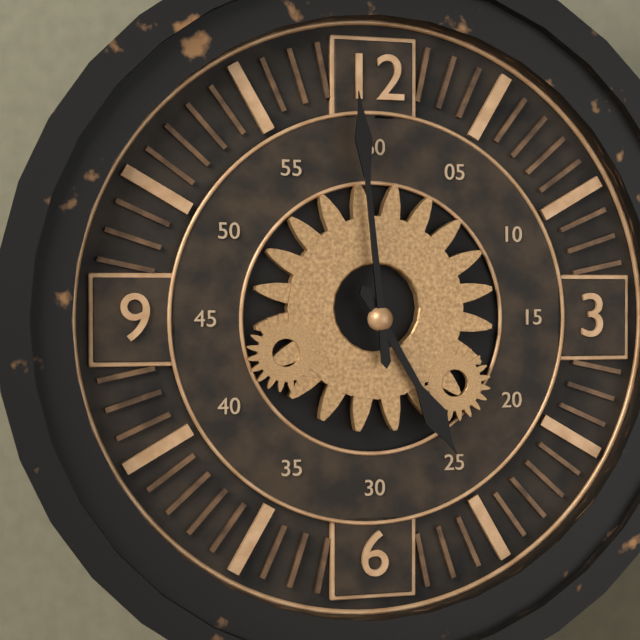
4:59
